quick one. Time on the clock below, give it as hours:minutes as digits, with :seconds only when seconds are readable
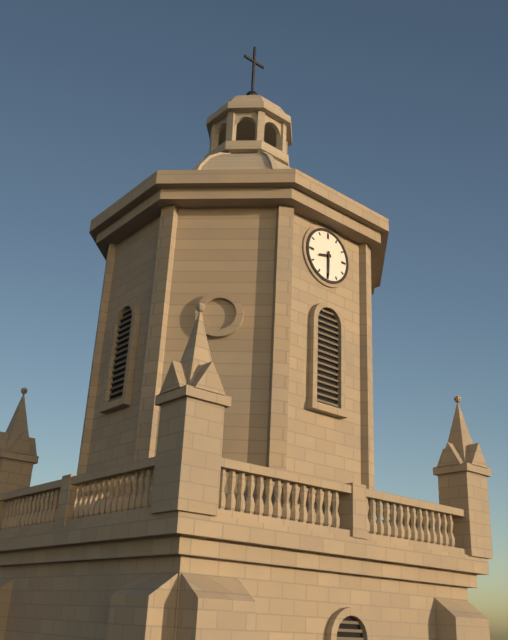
8:30
